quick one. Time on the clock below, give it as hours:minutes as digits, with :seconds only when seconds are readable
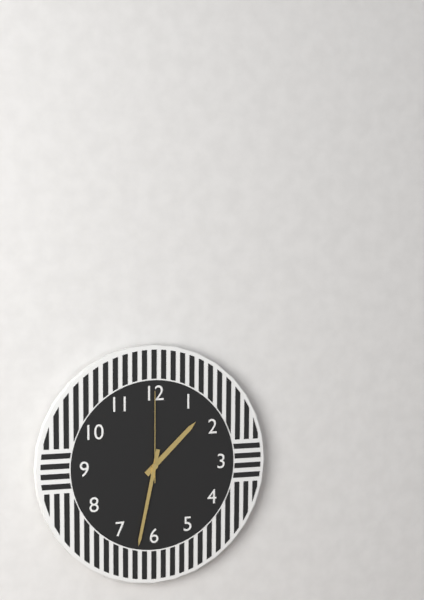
1:32:00
